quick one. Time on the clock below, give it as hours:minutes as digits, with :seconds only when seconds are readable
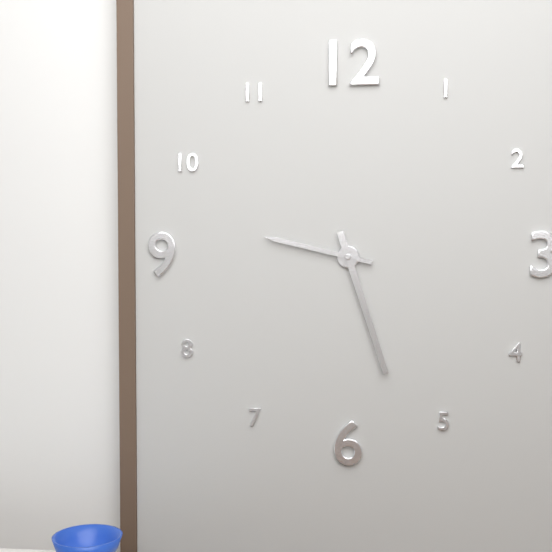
9:27
